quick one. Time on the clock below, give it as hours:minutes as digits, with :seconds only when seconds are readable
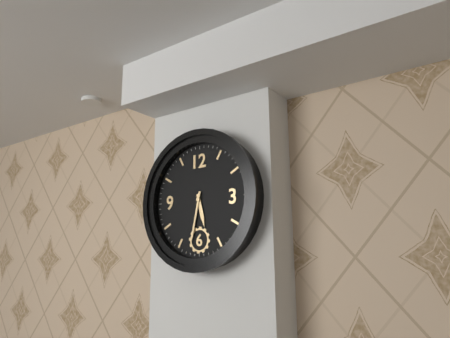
5:32
